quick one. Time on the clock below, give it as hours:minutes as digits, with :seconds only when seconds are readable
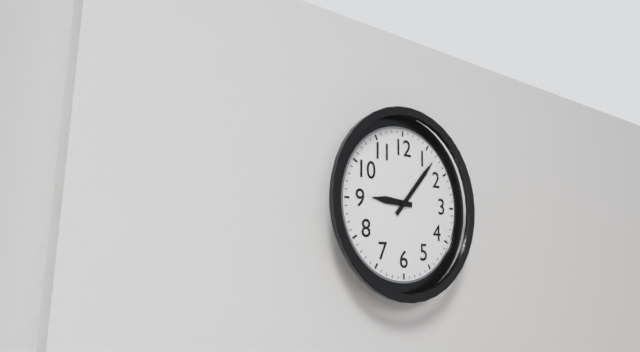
9:07
